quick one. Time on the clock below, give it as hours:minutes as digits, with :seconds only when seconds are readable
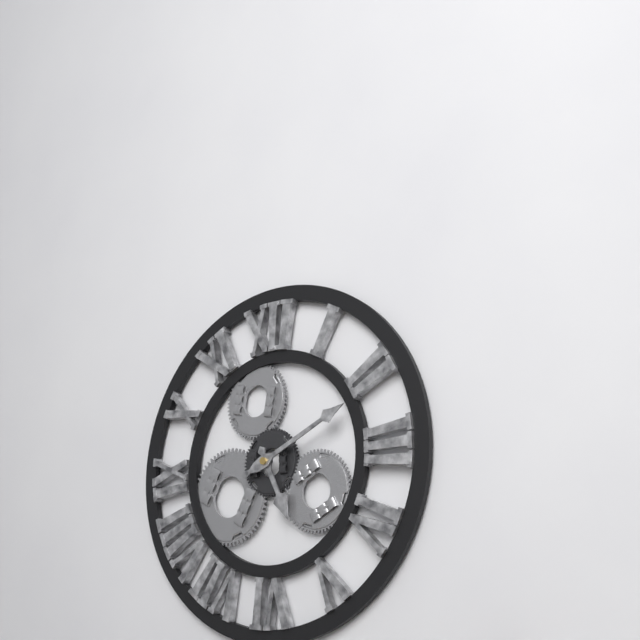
5:11
